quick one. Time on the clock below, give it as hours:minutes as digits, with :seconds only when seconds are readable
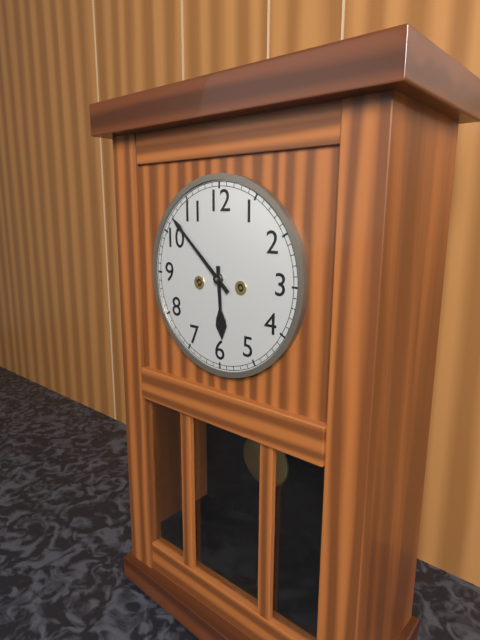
5:52
